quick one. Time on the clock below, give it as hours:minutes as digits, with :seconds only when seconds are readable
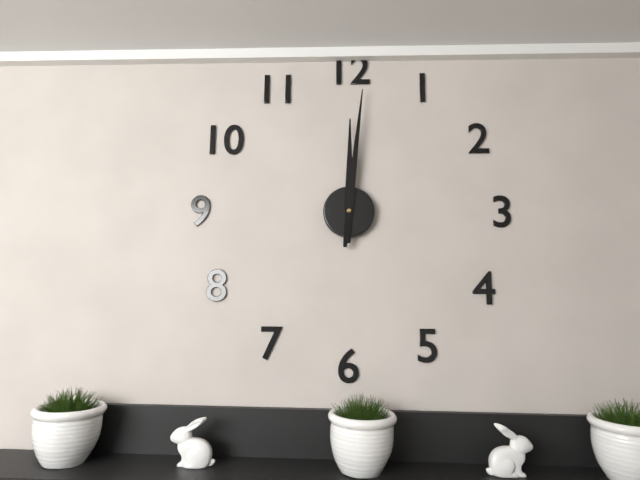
12:01
